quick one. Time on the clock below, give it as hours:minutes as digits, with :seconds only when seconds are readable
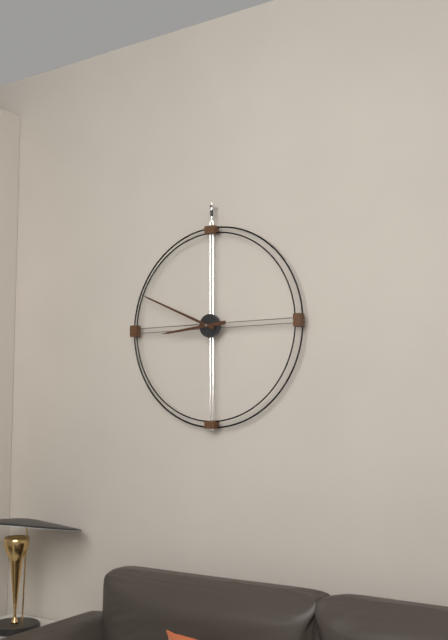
8:49
